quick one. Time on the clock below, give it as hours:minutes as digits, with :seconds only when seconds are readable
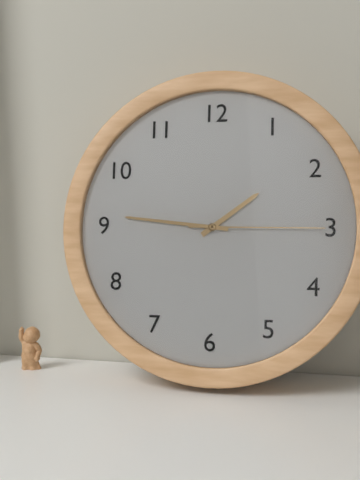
1:46:15
